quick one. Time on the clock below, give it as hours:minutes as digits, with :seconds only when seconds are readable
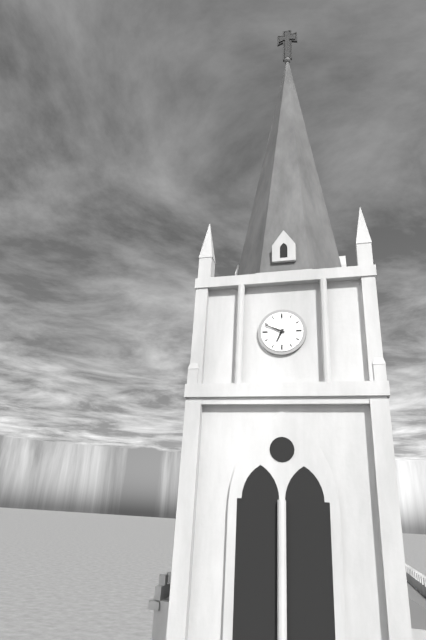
6:49
